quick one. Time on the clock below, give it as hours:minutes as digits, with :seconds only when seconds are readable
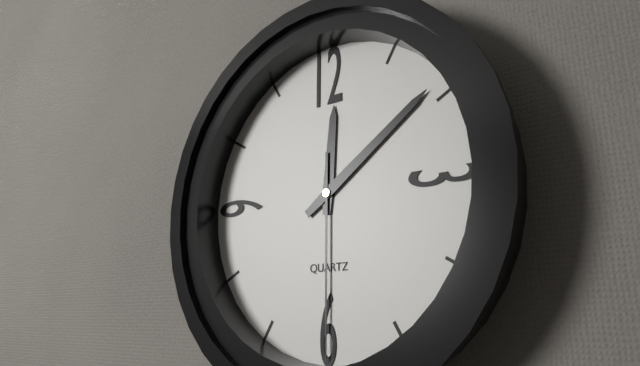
12:09:30
